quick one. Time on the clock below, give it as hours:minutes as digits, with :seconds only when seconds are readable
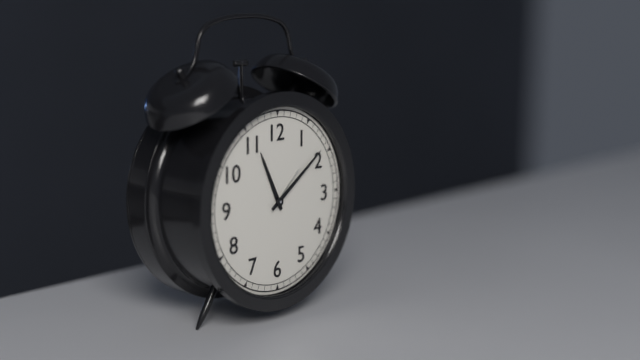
11:09
